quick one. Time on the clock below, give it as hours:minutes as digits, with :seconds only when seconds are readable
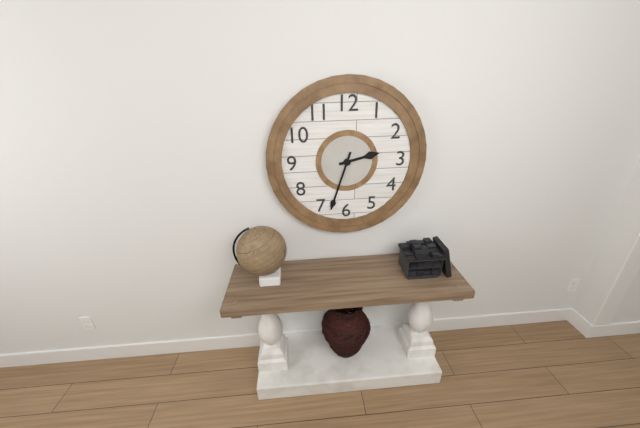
2:33
